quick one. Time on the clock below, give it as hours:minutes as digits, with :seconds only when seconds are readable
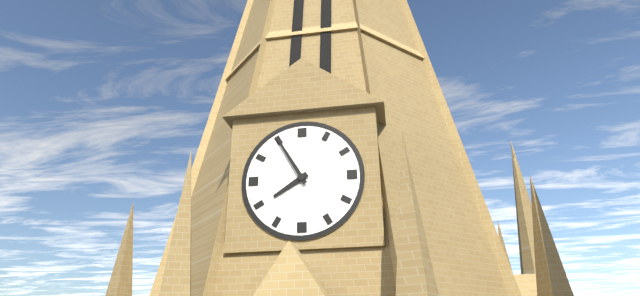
7:55
